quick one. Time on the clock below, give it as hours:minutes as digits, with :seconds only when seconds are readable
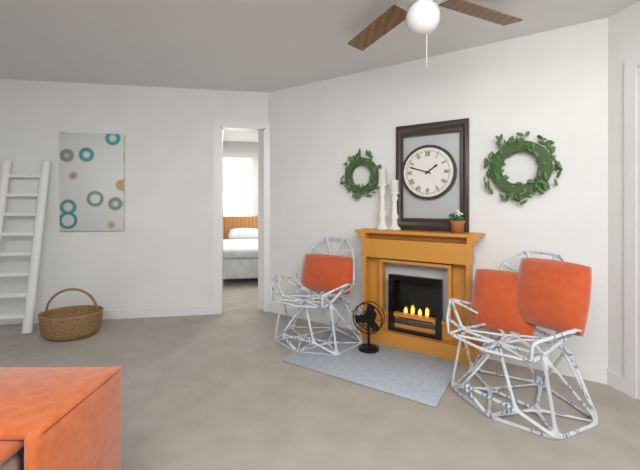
1:48
